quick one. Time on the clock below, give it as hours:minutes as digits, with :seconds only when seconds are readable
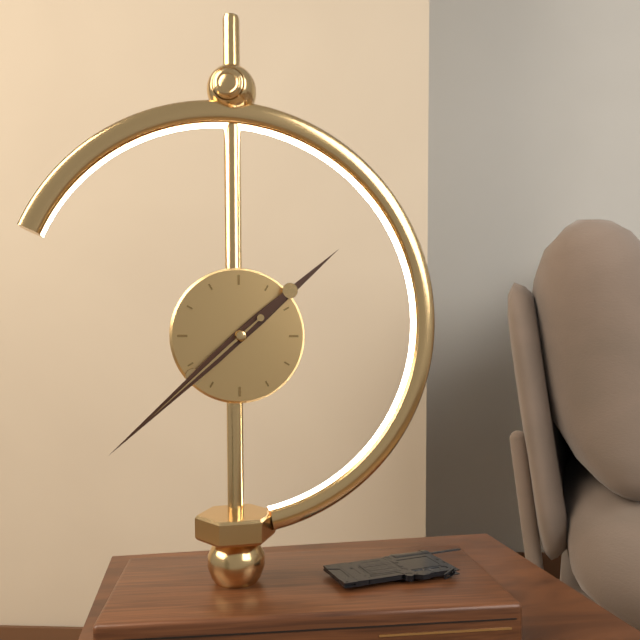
1:38:38
